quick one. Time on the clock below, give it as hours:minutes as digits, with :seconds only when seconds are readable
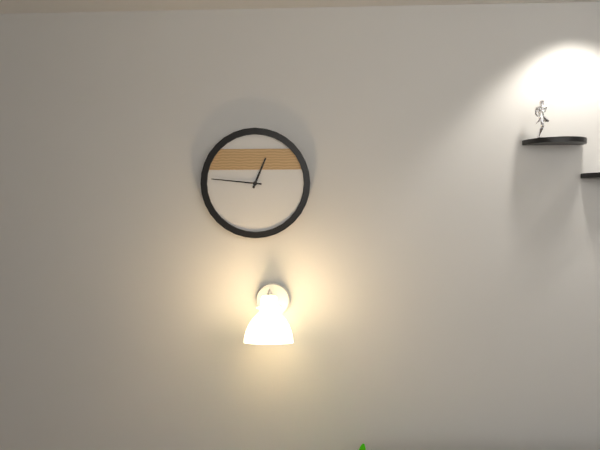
12:46
